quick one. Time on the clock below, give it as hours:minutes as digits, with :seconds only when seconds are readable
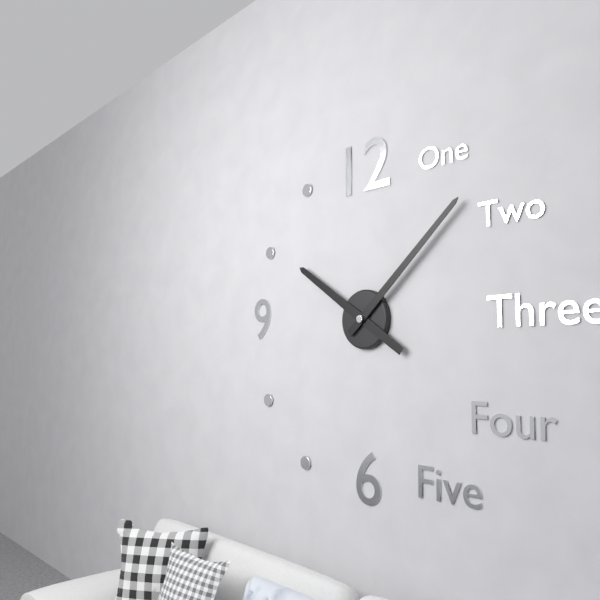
10:08
